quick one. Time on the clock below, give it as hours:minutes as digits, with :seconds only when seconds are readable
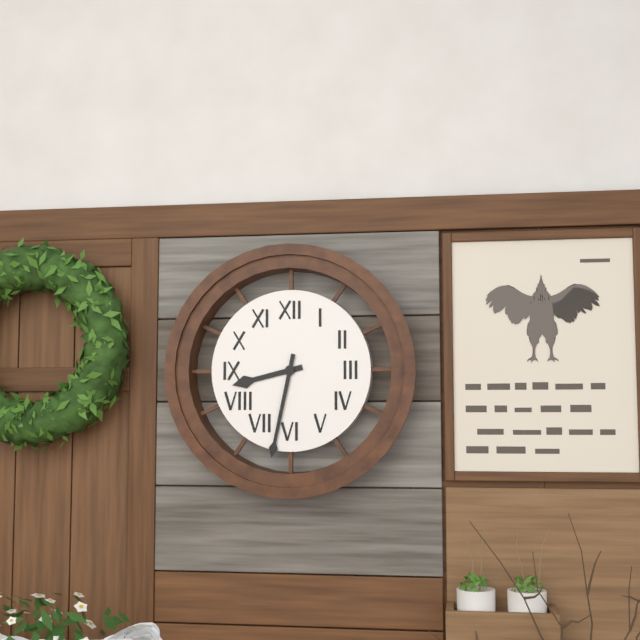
8:32
